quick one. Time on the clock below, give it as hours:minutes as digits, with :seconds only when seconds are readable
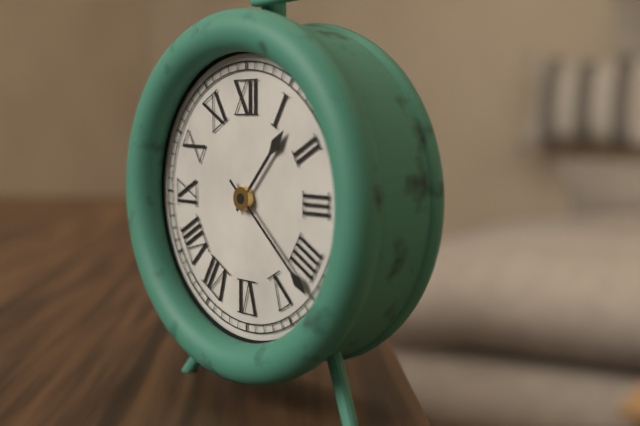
1:22
